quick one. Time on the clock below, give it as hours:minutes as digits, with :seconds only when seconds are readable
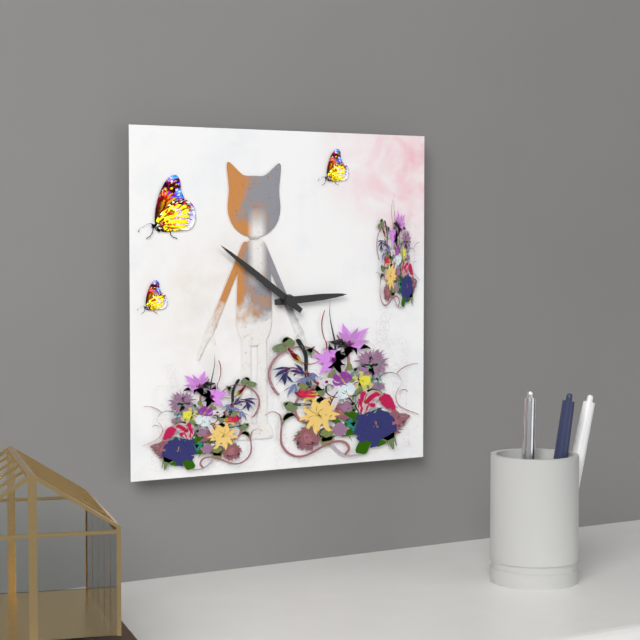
2:51
